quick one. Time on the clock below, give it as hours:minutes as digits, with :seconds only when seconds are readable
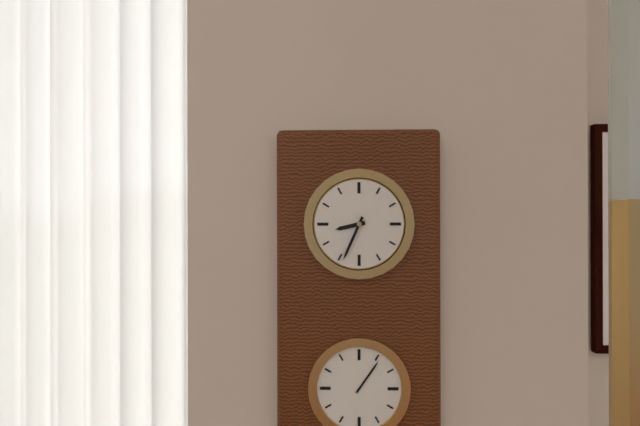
8:34
